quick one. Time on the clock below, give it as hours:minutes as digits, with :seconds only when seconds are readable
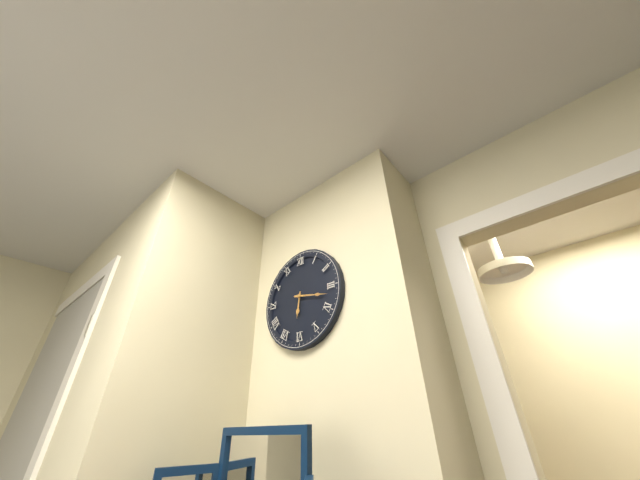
6:17
